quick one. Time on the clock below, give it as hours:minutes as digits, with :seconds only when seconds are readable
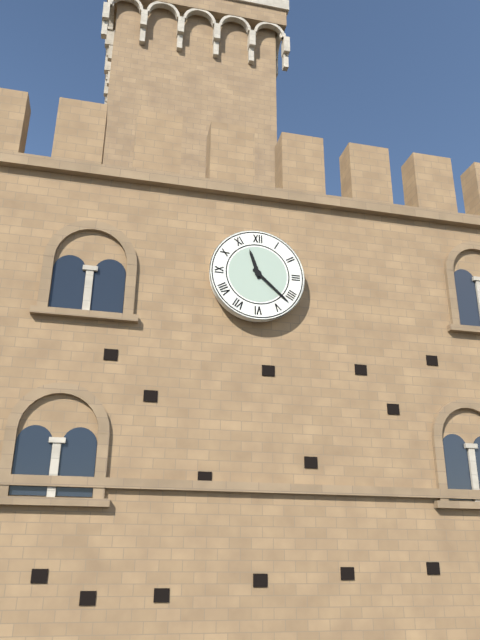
11:22
